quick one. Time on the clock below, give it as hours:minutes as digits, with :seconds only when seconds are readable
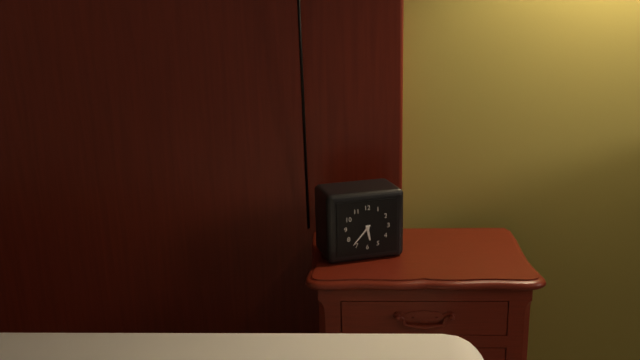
5:37
